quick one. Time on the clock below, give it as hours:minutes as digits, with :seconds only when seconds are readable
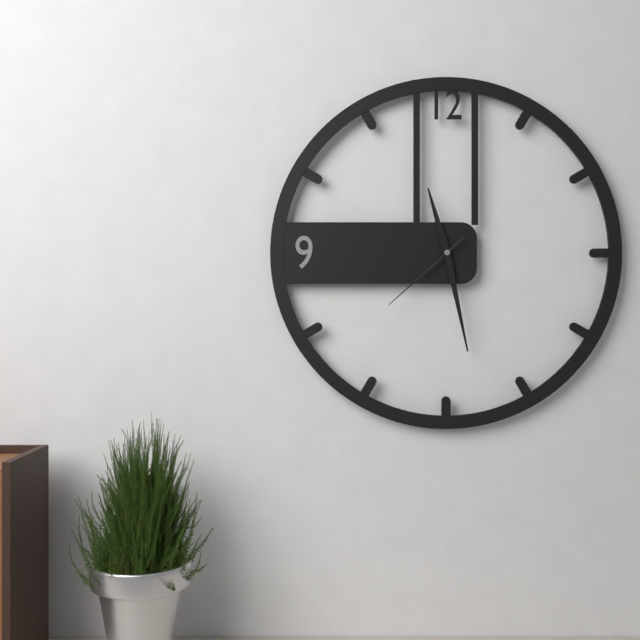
11:28:38
